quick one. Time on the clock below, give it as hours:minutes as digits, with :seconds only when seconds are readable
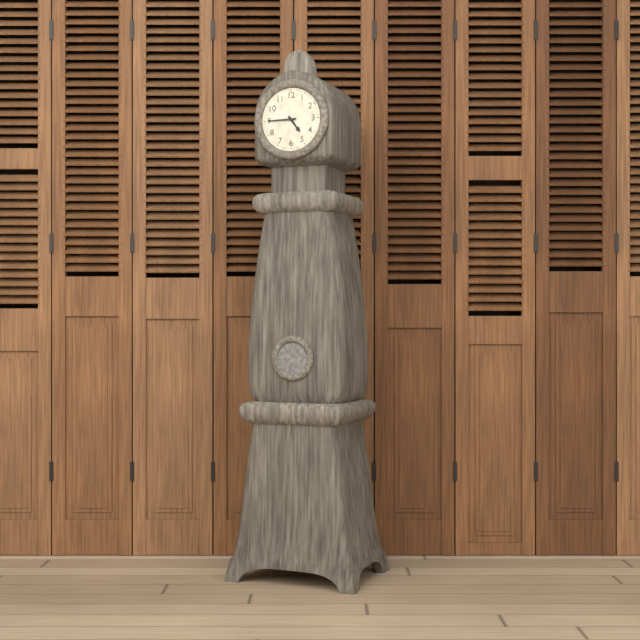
4:45
